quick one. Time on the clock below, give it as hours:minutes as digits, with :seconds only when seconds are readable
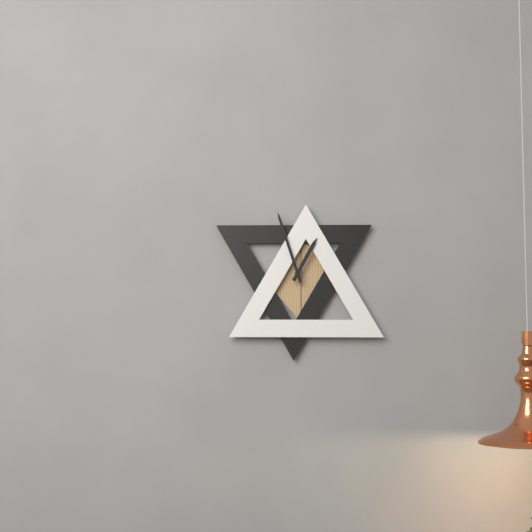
12:57
